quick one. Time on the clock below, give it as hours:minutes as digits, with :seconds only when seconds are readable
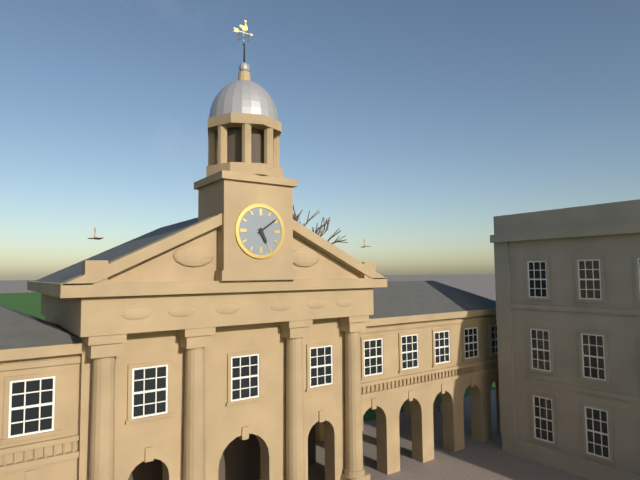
5:09
